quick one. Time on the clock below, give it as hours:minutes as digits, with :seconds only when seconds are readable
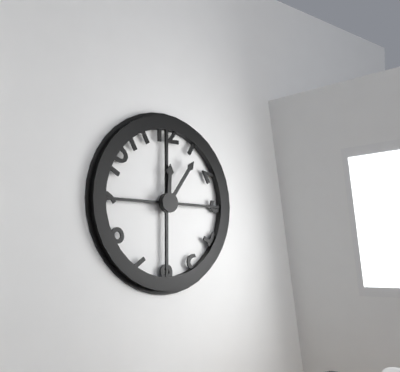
12:06
